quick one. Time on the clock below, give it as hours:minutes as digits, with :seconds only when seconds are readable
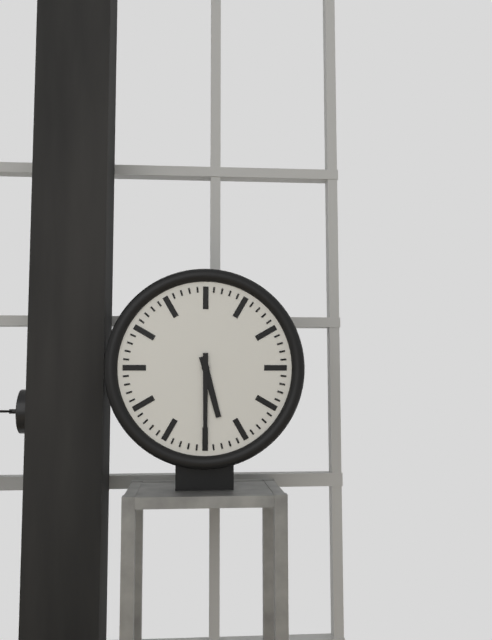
5:30
